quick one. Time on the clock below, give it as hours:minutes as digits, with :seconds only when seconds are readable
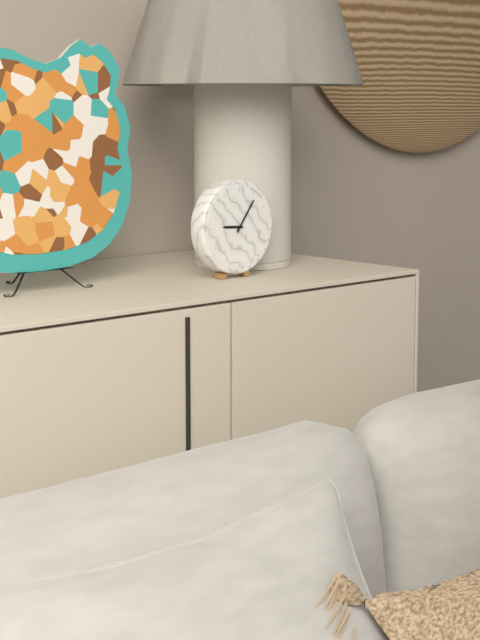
9:06
